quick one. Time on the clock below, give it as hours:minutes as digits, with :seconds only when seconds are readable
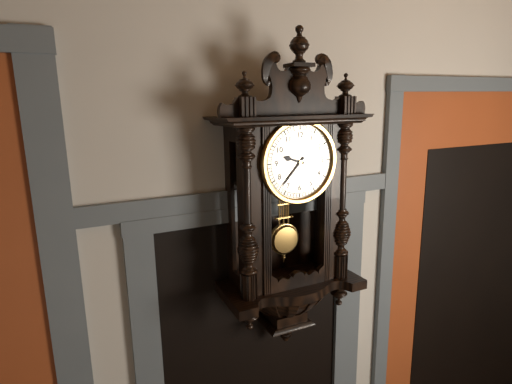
9:37
